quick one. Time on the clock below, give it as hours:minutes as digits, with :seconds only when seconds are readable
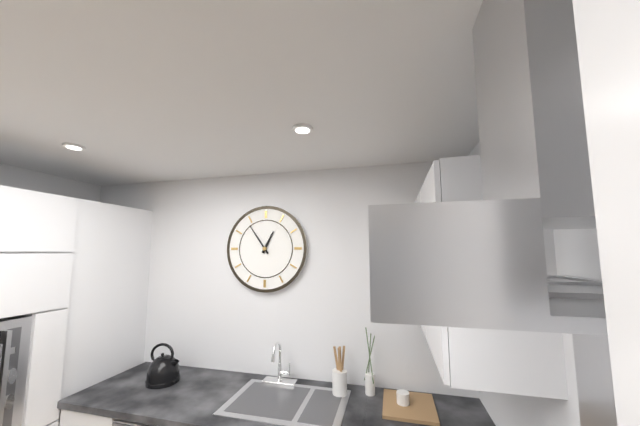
12:54
